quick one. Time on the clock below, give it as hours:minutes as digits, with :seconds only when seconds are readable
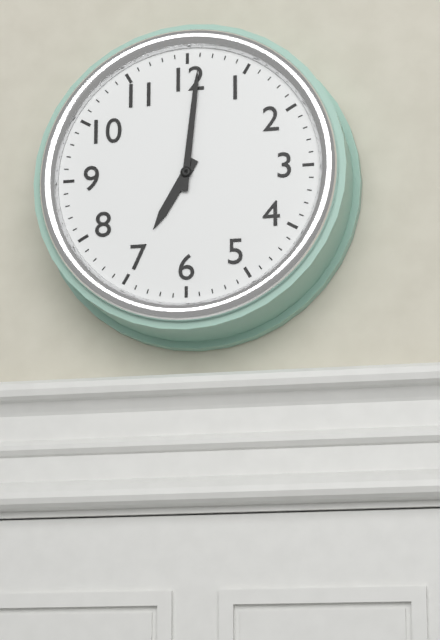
7:01
